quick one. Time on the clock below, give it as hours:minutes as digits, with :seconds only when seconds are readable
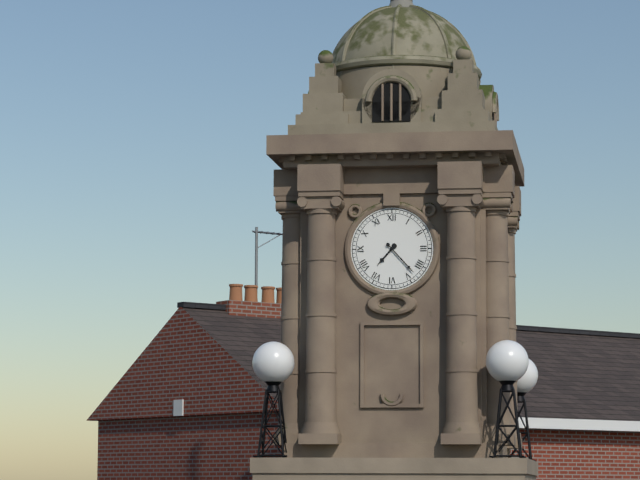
7:23
